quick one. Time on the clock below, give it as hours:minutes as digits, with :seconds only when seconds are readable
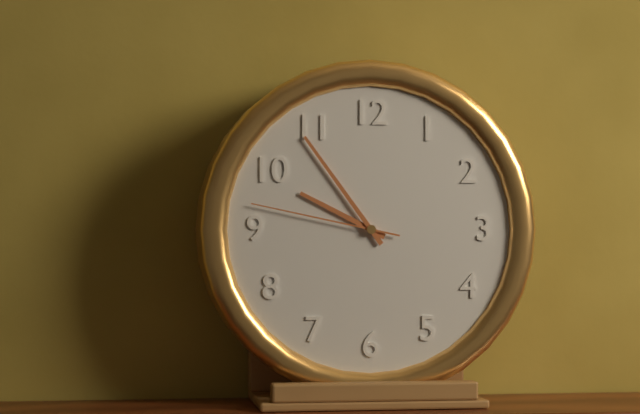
9:54:47
